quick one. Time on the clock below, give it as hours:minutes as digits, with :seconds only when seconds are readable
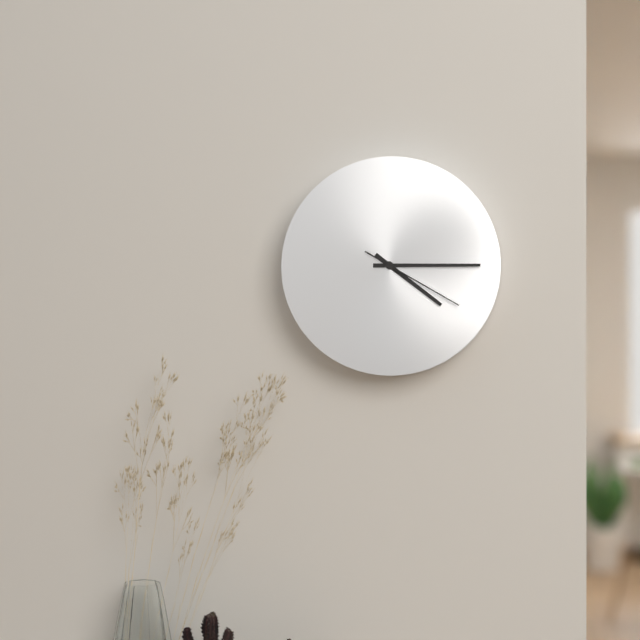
4:15:20
